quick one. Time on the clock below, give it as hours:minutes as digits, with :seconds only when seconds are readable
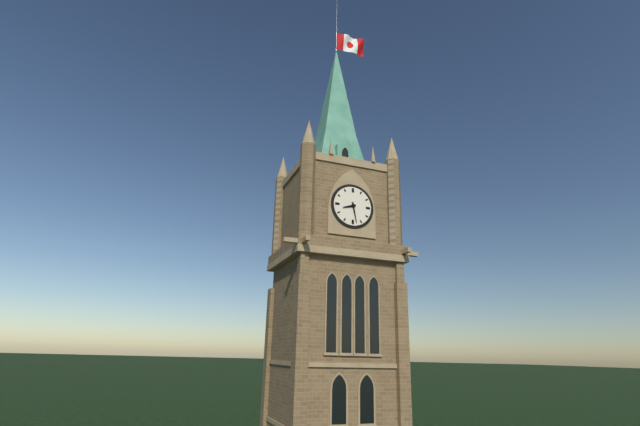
8:28
